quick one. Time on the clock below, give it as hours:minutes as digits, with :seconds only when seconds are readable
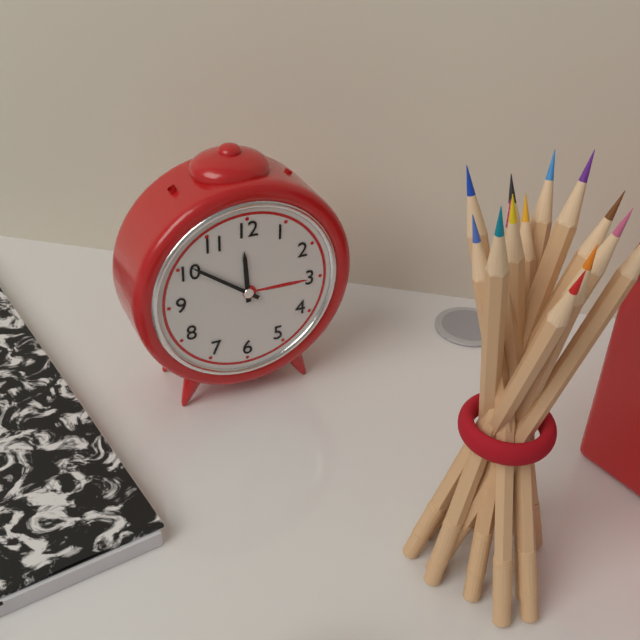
11:51
